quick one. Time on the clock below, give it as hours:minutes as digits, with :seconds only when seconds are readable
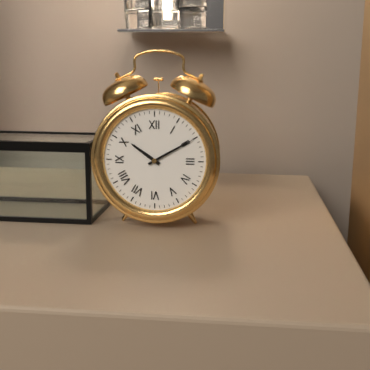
10:10
